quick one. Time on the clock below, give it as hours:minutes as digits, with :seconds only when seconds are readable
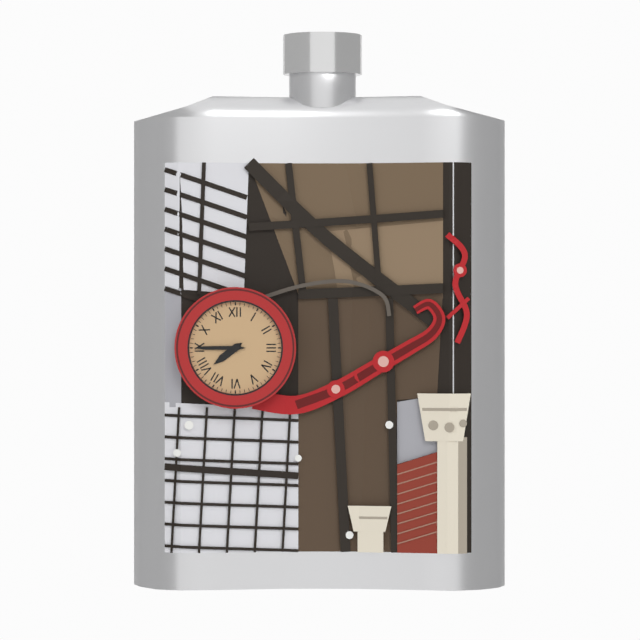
7:45
